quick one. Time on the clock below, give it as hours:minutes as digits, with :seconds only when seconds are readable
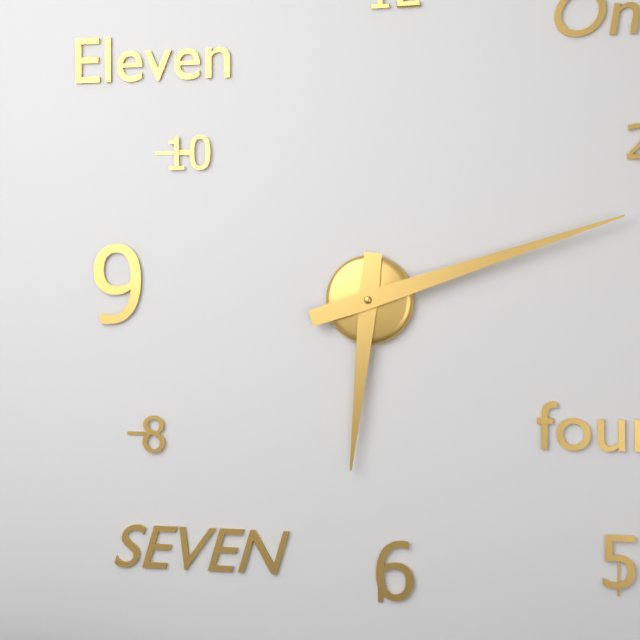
6:12
